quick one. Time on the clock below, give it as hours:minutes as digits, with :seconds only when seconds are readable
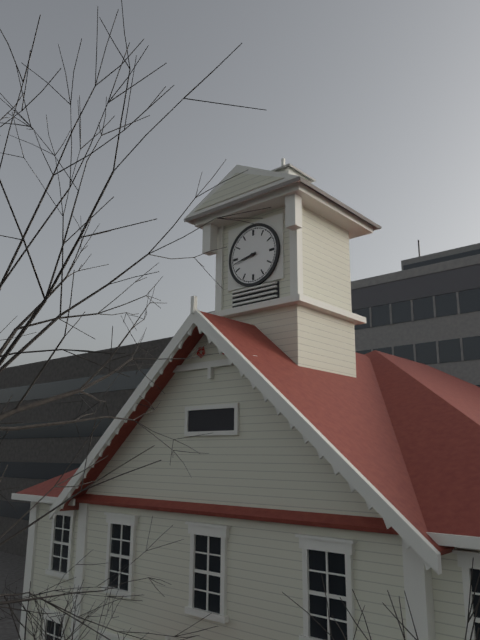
8:43
